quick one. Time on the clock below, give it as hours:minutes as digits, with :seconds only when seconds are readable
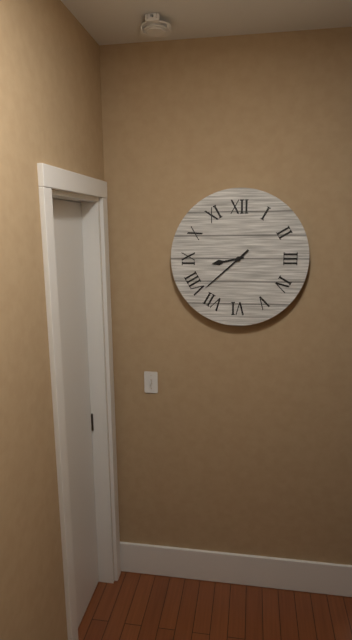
8:38
